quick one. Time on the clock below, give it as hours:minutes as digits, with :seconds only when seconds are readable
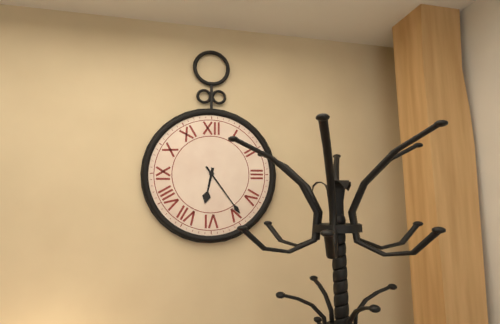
6:24
